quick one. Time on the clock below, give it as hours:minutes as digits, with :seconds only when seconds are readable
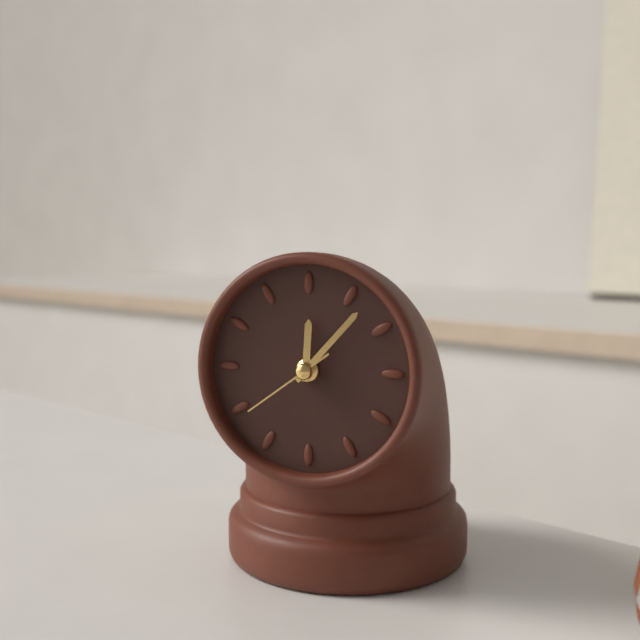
12:07:39
